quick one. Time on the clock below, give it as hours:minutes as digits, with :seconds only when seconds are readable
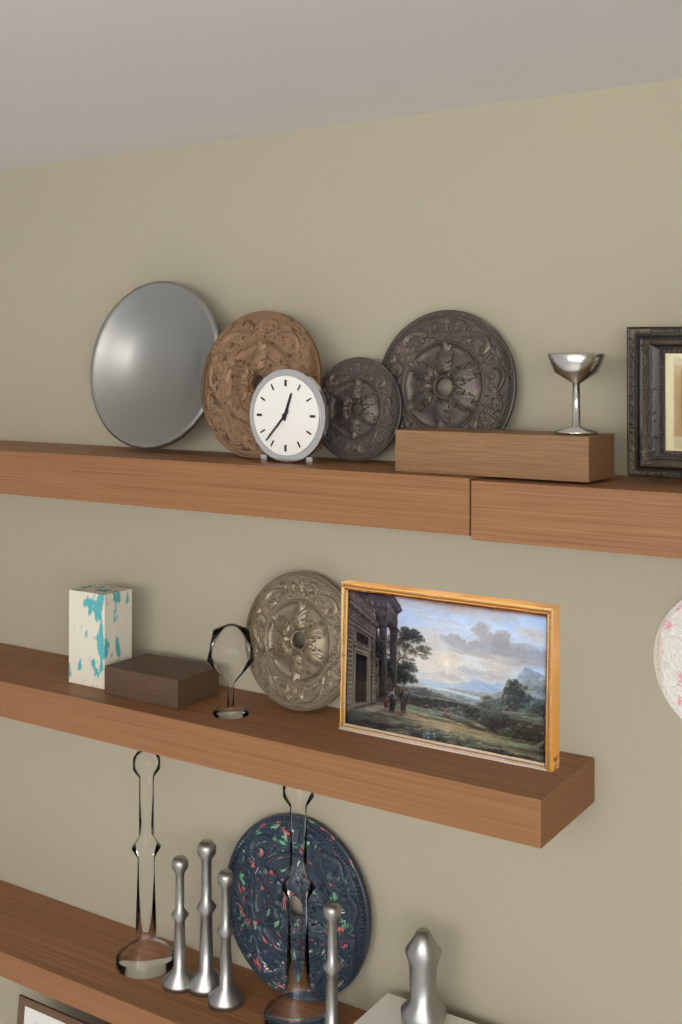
12:37
